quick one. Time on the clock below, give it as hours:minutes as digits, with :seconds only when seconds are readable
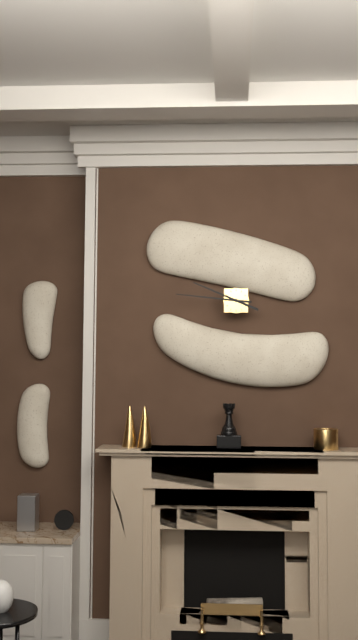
9:46
